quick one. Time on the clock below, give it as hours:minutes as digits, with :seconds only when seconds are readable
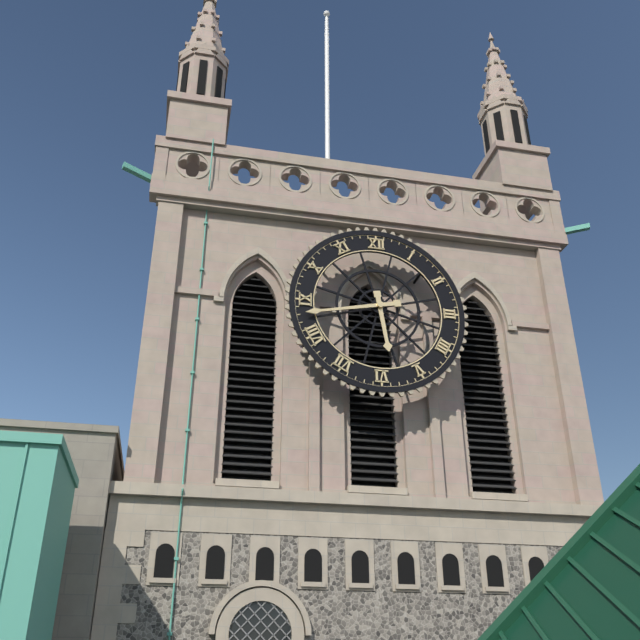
5:43
